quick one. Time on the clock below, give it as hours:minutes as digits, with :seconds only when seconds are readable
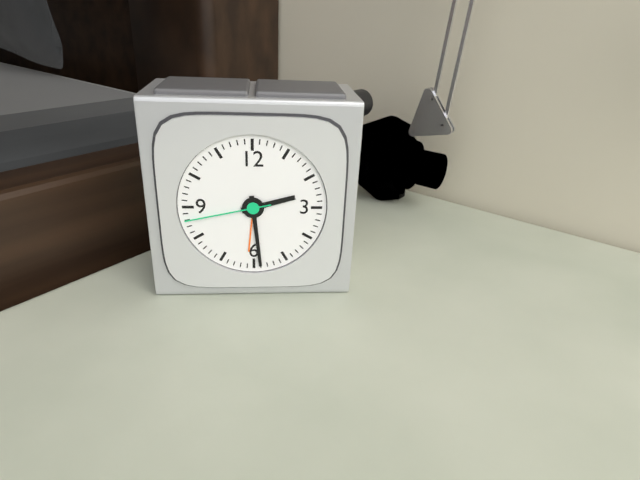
2:29:43
